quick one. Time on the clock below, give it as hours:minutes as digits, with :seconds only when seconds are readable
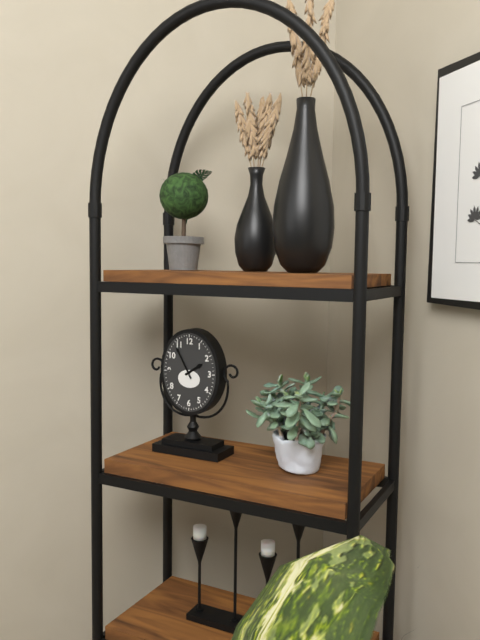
1:55
